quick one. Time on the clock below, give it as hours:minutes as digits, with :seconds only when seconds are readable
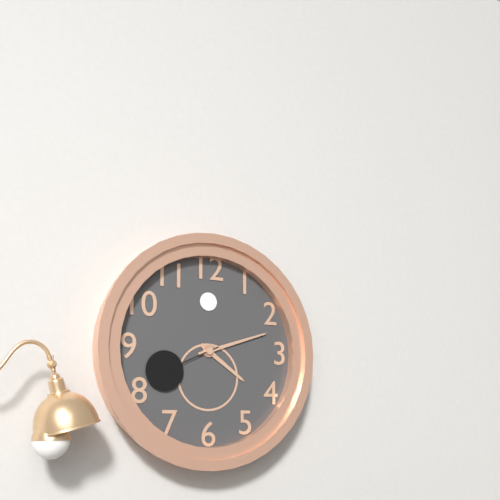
4:12:41
